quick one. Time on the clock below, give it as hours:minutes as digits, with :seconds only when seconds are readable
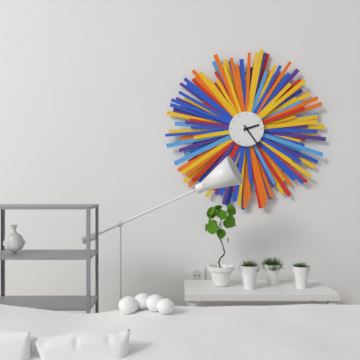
2:24
